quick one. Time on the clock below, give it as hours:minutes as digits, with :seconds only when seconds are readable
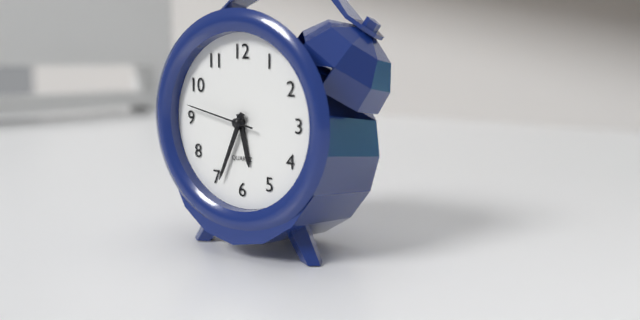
5:34:47
